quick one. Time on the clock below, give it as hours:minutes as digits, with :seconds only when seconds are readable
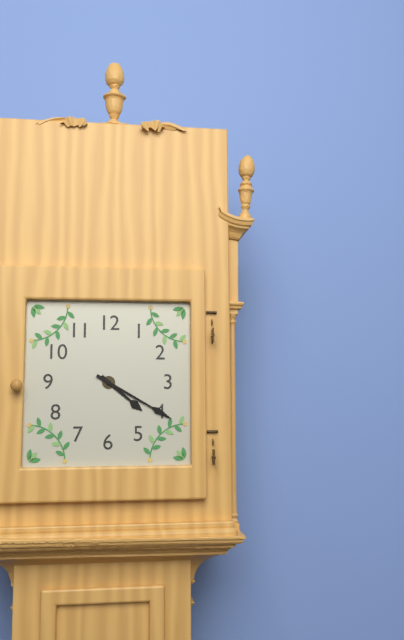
4:20
